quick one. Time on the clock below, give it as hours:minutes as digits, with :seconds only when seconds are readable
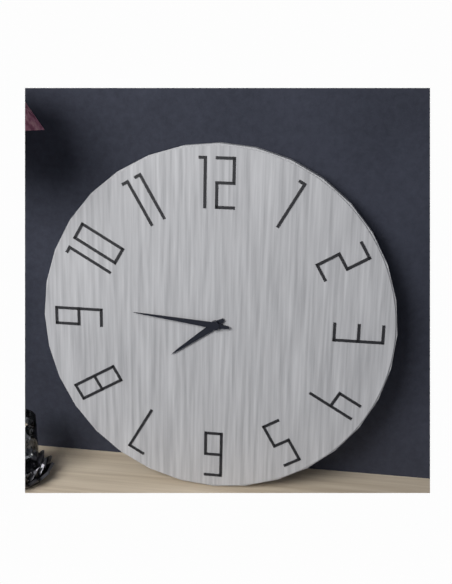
7:46
